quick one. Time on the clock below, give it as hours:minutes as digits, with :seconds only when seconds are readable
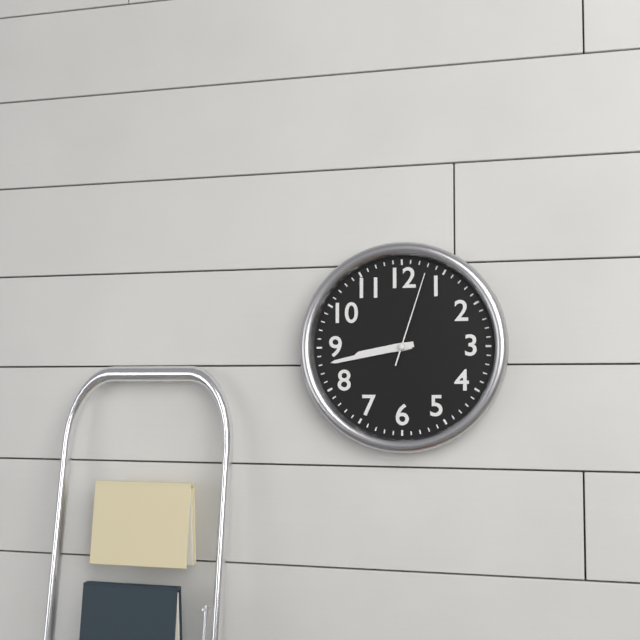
8:43:03
